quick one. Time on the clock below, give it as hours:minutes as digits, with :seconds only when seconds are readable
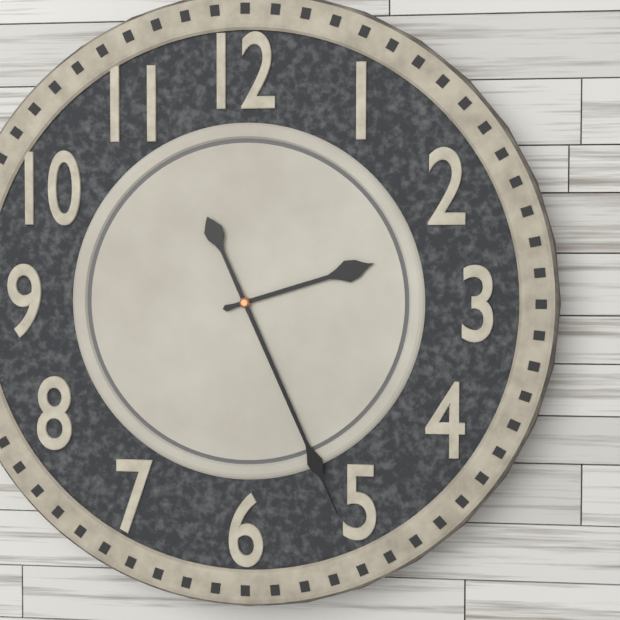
2:26
